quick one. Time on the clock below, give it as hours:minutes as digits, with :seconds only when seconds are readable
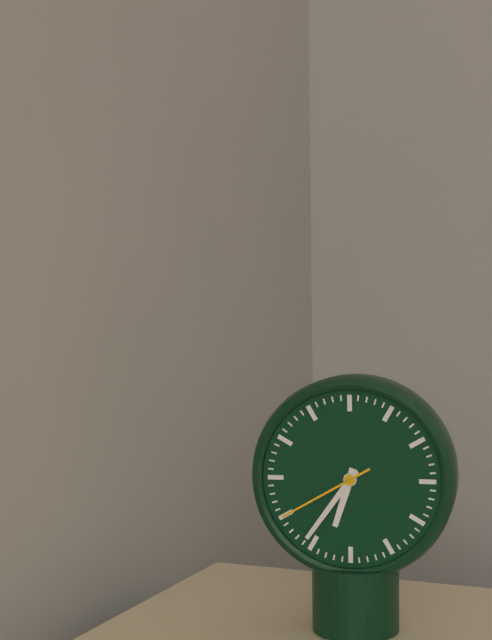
6:36:40
